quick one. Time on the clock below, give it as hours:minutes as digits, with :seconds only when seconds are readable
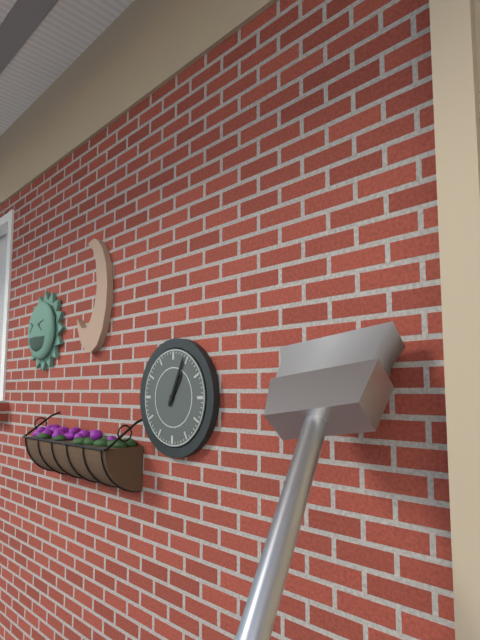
1:04
